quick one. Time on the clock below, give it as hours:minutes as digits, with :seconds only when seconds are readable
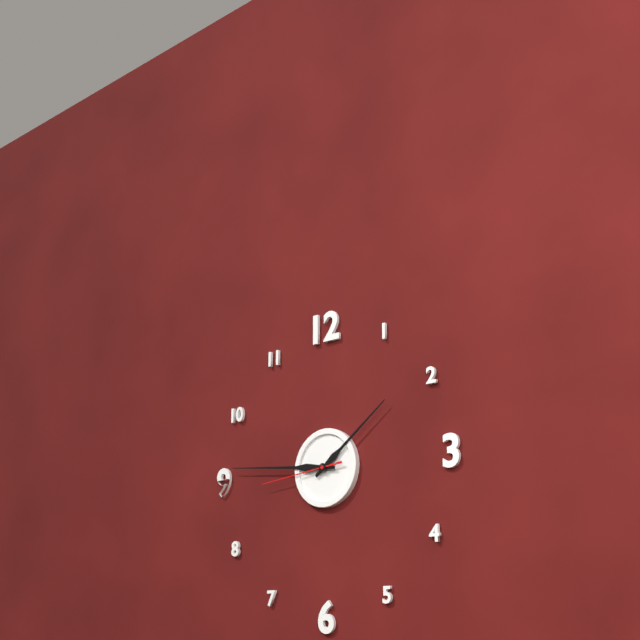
1:46:44
